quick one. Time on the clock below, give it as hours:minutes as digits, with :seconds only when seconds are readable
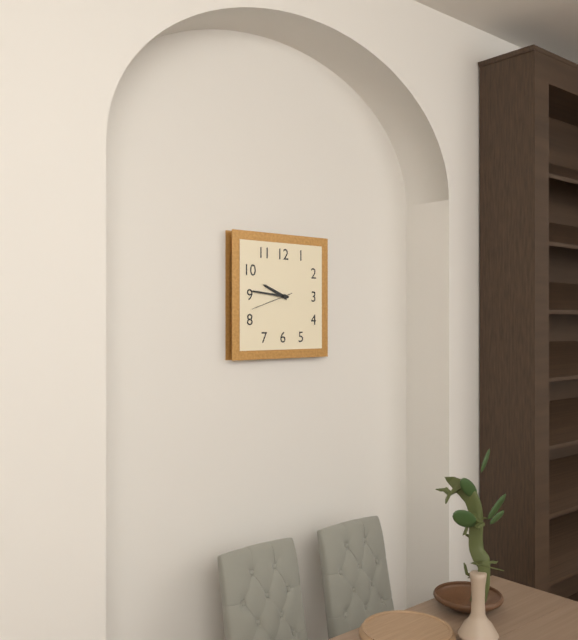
9:46
